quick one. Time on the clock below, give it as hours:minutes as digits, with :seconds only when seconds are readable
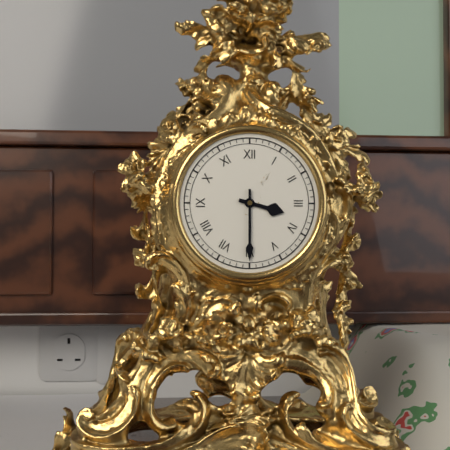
3:30
